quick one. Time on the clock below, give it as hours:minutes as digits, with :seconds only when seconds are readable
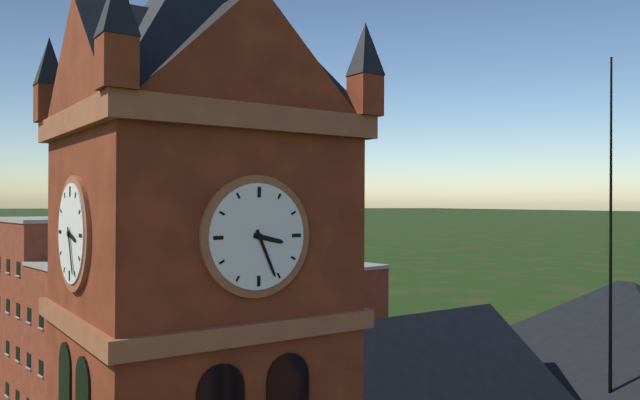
3:26
